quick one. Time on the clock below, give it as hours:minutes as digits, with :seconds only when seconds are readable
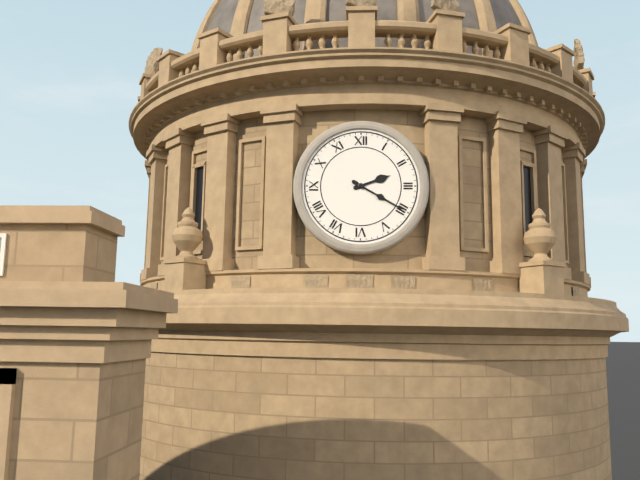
2:20
